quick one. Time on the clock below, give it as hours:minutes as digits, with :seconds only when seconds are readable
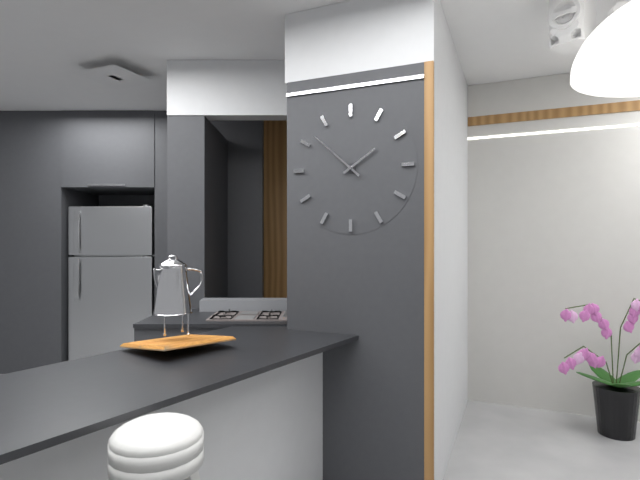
1:52
